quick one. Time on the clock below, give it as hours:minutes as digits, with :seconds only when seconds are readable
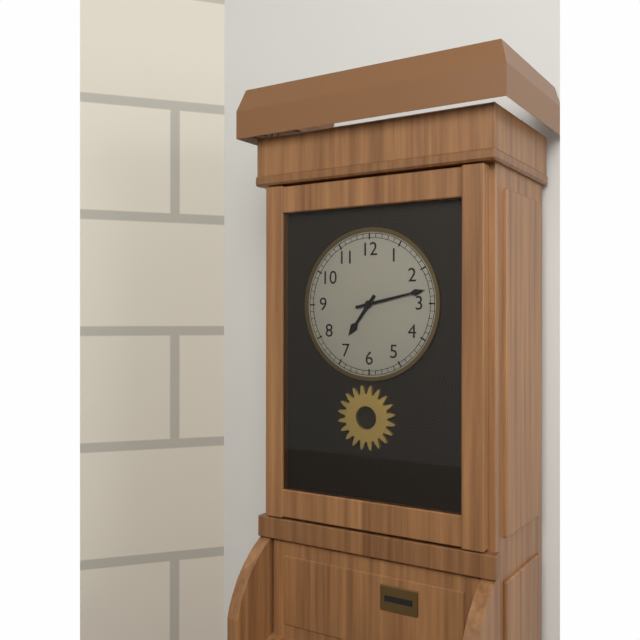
7:13
